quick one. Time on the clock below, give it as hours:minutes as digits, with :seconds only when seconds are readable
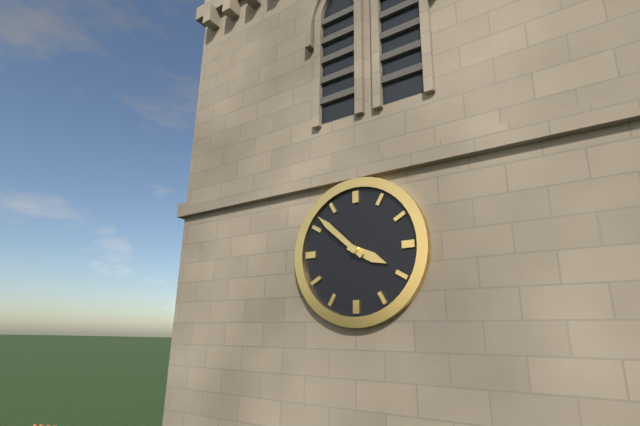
3:52
